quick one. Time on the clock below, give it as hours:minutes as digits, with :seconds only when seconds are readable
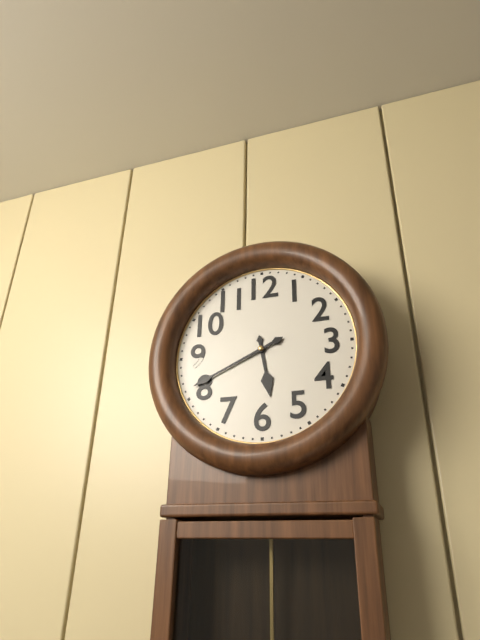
5:41
